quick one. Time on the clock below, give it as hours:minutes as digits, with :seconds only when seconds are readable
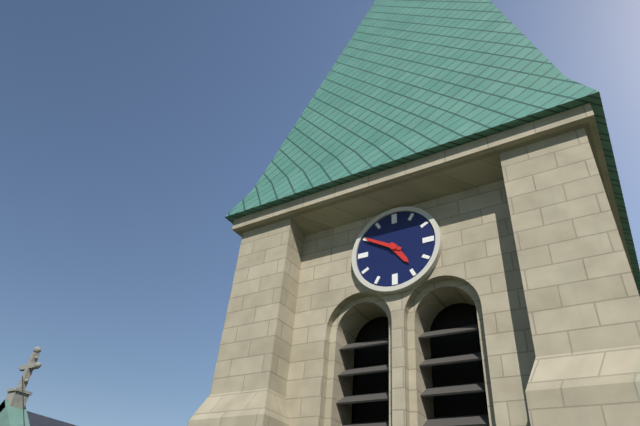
4:50
